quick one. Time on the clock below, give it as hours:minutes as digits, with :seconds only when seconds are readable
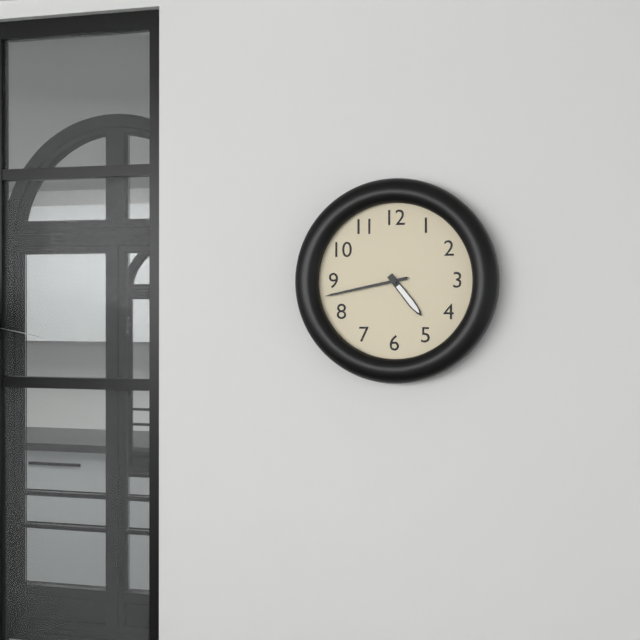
4:43
